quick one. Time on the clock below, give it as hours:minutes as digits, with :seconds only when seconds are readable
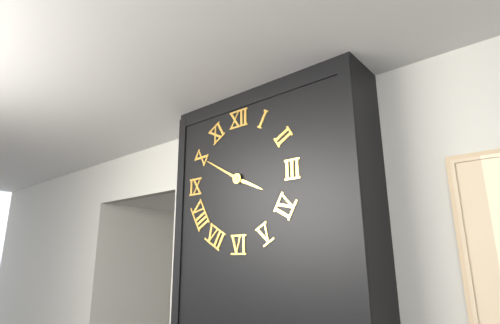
3:50
